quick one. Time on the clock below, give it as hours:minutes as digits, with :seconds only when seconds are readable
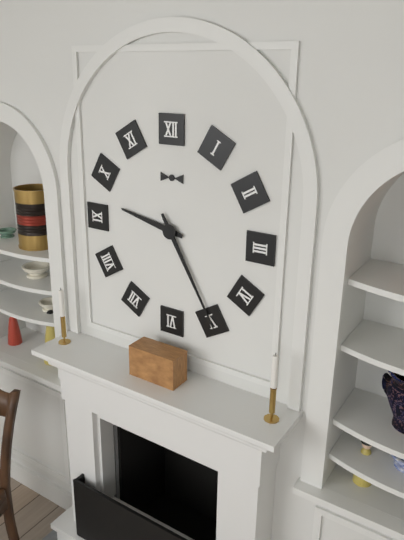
9:25
